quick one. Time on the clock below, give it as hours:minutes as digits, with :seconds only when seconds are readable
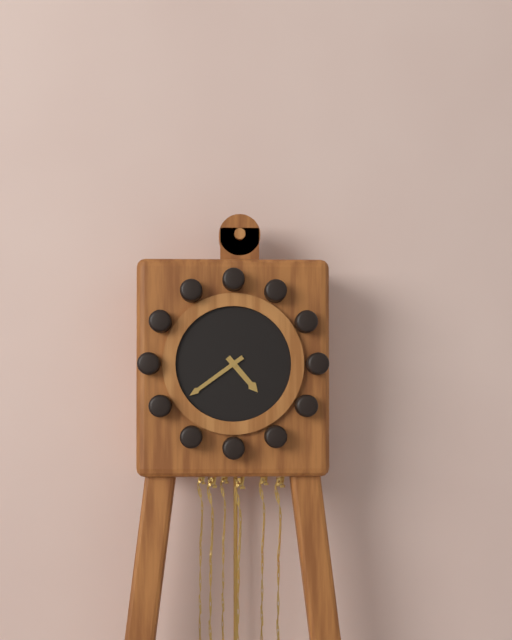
4:39
